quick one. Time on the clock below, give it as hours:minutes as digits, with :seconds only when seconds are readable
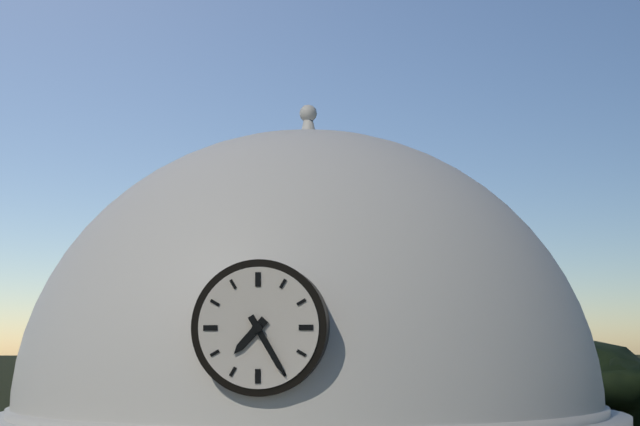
7:25
